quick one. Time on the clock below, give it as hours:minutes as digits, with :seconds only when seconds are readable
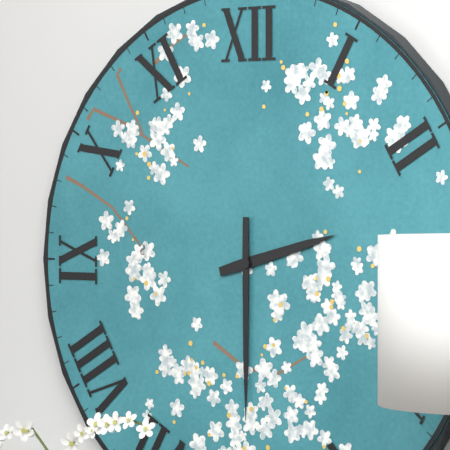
2:30
